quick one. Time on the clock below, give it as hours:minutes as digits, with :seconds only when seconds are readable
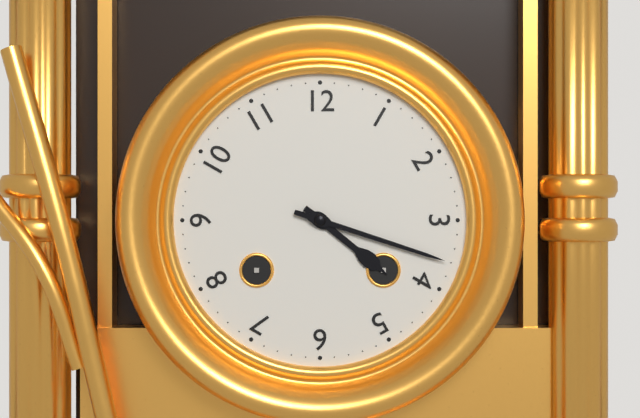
4:18
